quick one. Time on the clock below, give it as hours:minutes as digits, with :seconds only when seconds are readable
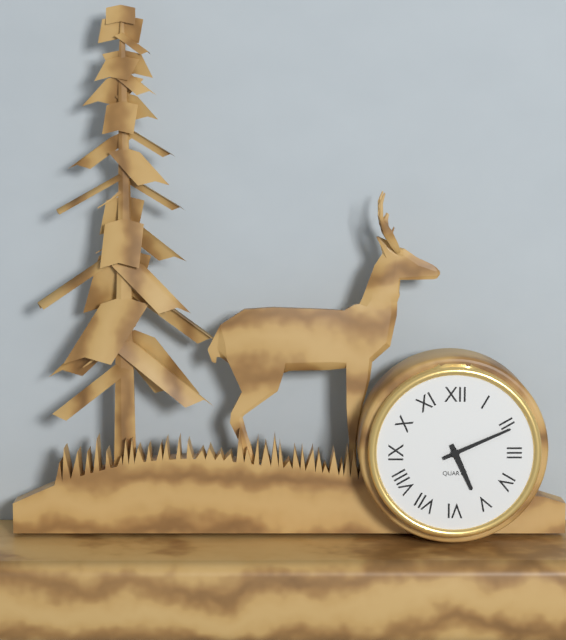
5:11
